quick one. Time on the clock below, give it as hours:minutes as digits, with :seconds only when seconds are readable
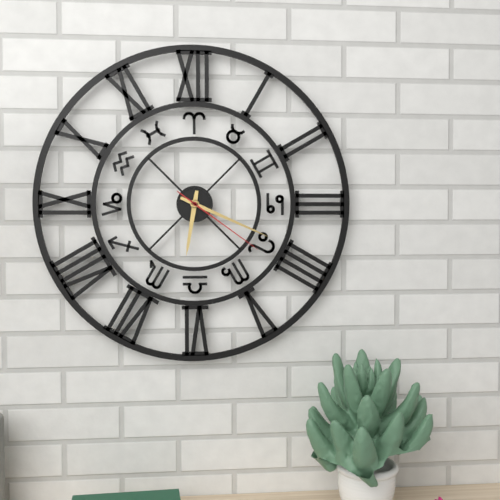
6:19:21
